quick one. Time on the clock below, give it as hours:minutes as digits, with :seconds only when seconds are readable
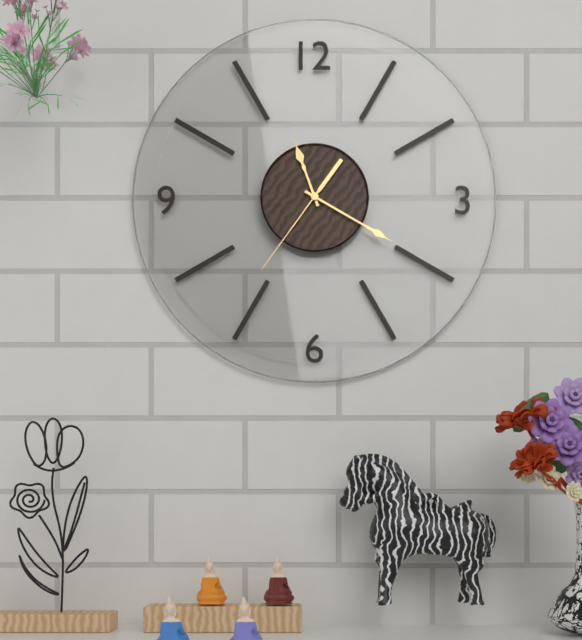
11:20:36
